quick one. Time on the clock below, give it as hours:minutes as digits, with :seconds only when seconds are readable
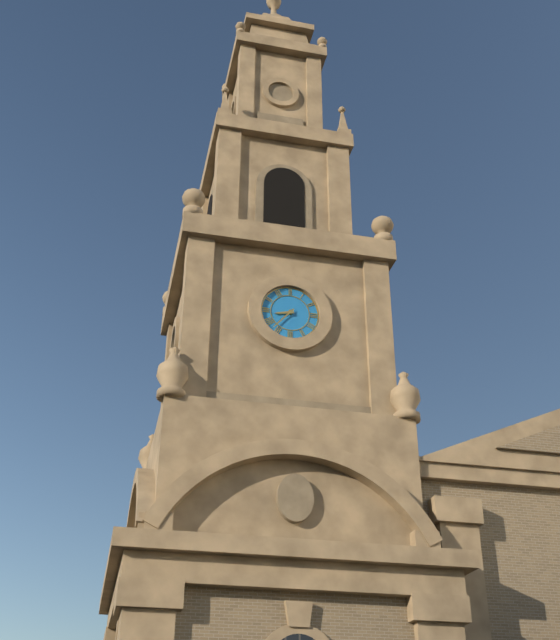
8:37
